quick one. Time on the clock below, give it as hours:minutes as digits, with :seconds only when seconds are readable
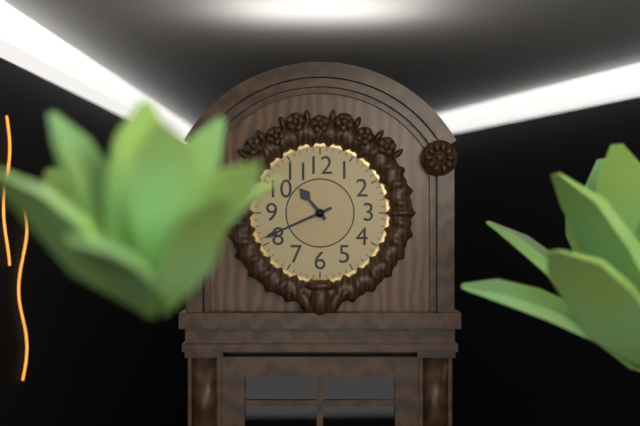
10:41
